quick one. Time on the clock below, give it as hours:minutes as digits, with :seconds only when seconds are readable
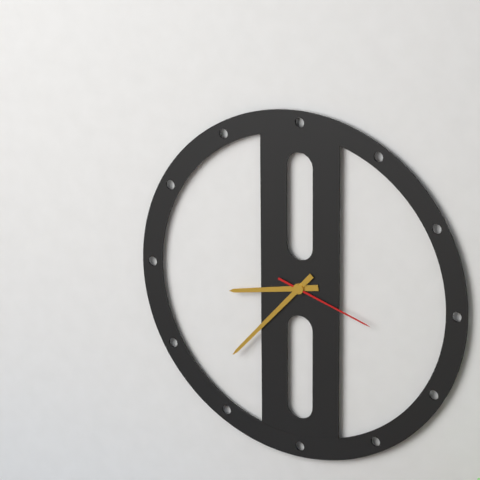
8:37:18
